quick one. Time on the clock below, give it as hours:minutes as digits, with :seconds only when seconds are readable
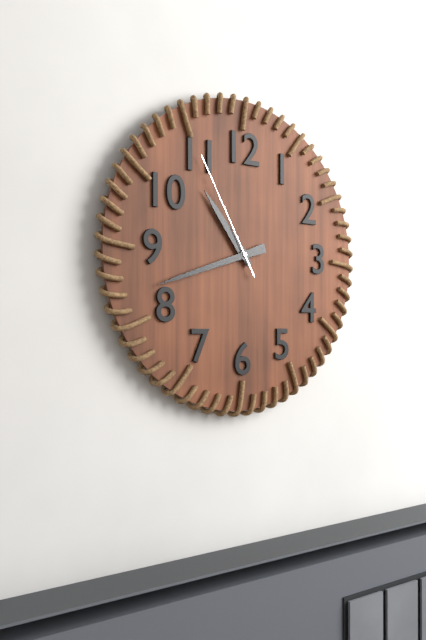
10:42:55
